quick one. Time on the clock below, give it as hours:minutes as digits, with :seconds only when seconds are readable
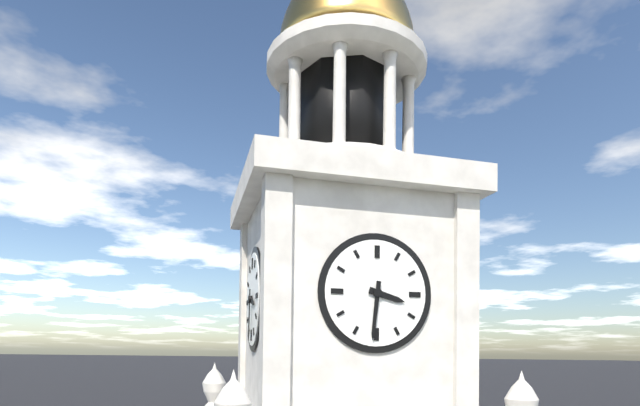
3:31
